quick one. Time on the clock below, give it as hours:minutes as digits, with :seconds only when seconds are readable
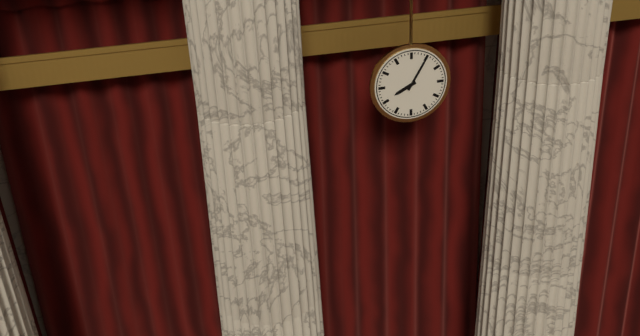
8:05
